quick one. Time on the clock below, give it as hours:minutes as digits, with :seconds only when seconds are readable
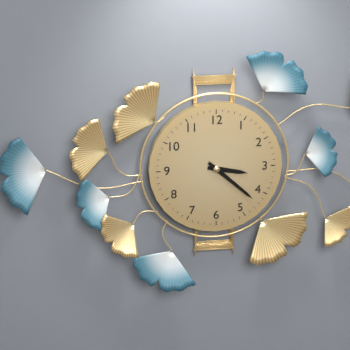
3:22
